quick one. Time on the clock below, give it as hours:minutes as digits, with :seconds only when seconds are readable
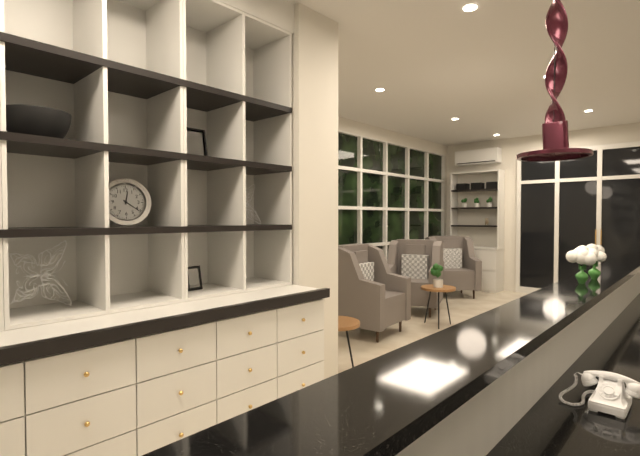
12:21
